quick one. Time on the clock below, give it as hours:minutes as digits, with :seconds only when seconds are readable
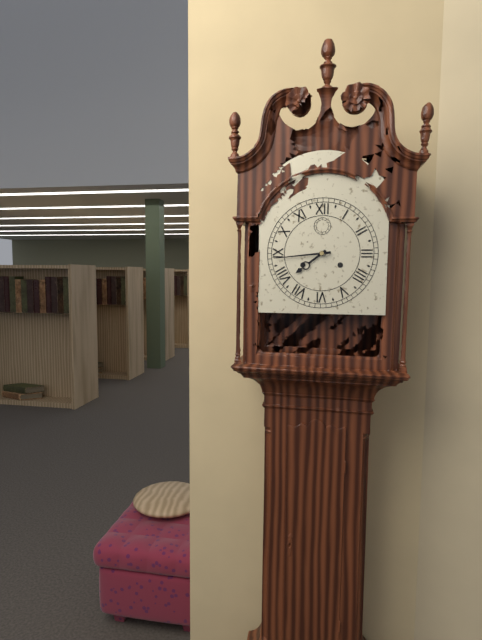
7:44
